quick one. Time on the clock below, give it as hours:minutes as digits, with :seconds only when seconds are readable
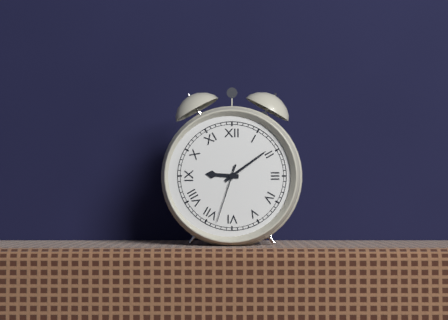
9:09:33
